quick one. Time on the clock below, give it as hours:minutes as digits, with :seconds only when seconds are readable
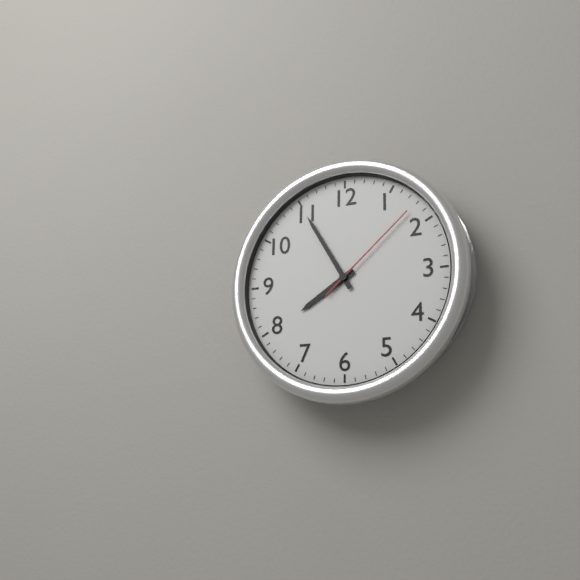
7:55:08
